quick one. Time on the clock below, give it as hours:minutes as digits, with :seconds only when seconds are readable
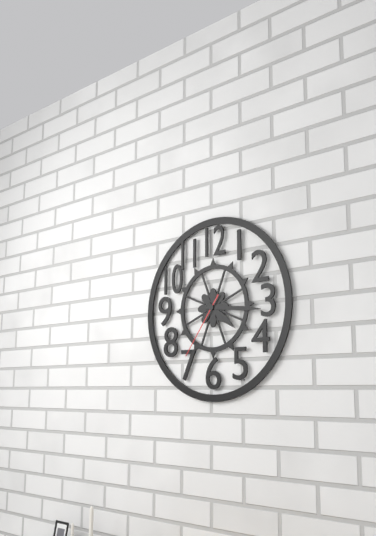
4:16:36
